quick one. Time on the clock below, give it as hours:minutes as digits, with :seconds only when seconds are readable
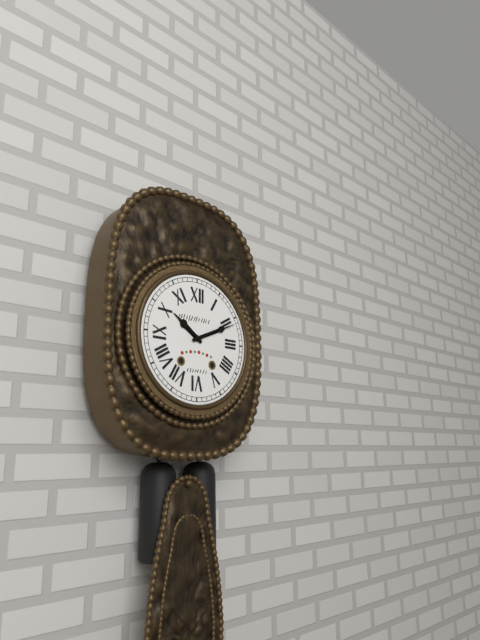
10:11
